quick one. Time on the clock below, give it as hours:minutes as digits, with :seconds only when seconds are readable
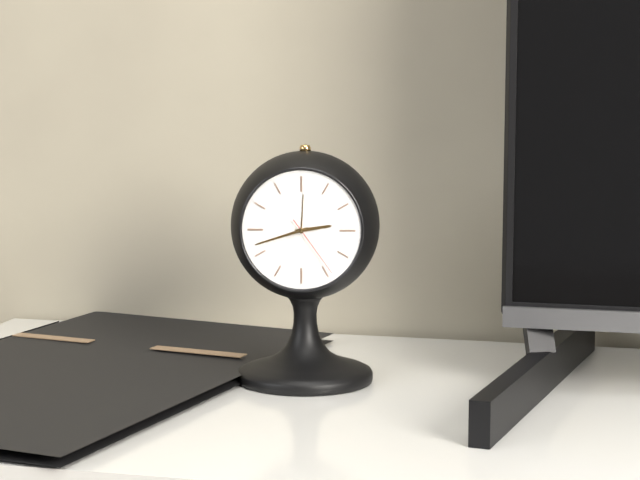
2:42:24
